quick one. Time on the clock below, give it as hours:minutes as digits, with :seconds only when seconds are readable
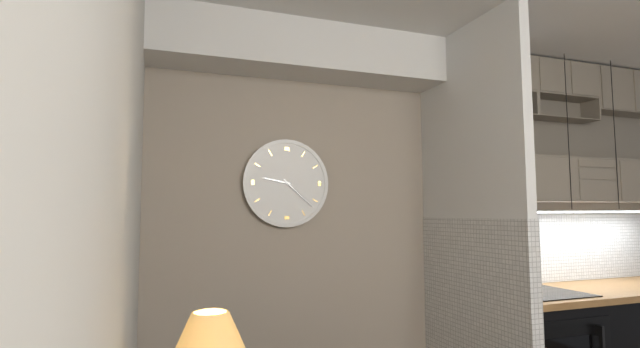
9:22
